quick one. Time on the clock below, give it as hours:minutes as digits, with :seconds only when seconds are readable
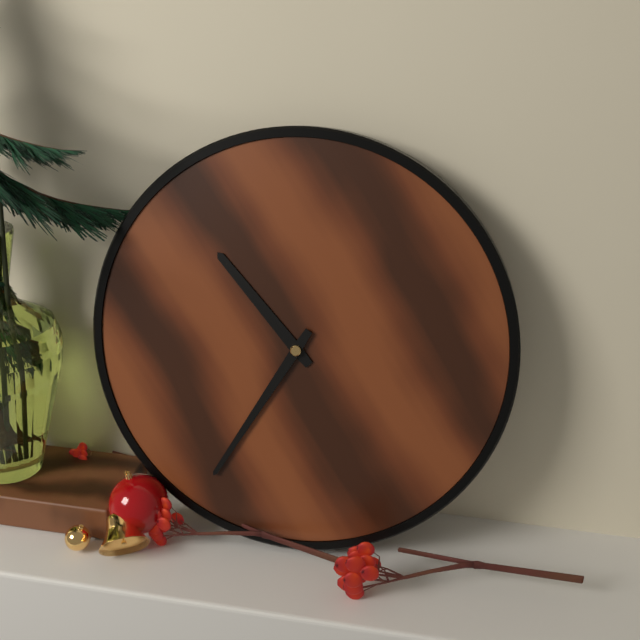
10:35
